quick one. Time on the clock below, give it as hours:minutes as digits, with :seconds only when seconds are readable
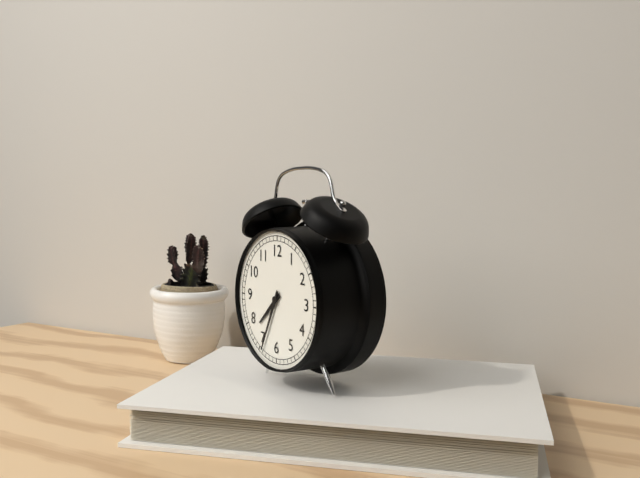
7:34
